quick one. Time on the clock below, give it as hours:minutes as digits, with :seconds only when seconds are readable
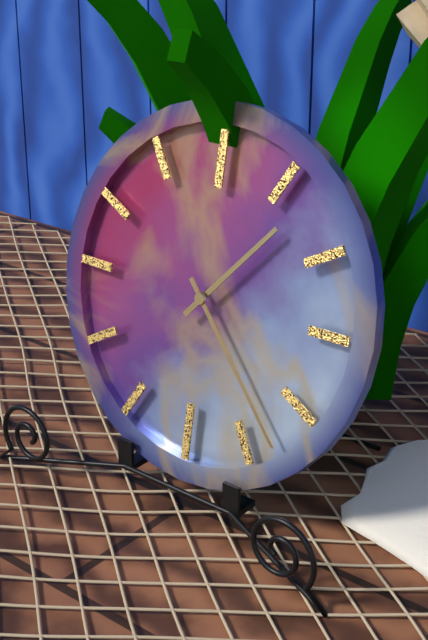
1:23
